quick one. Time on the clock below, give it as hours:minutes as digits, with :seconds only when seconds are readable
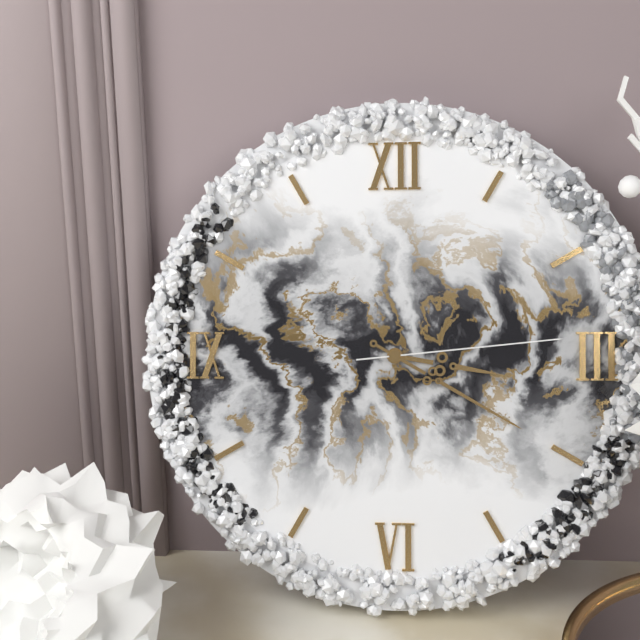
3:20:14
